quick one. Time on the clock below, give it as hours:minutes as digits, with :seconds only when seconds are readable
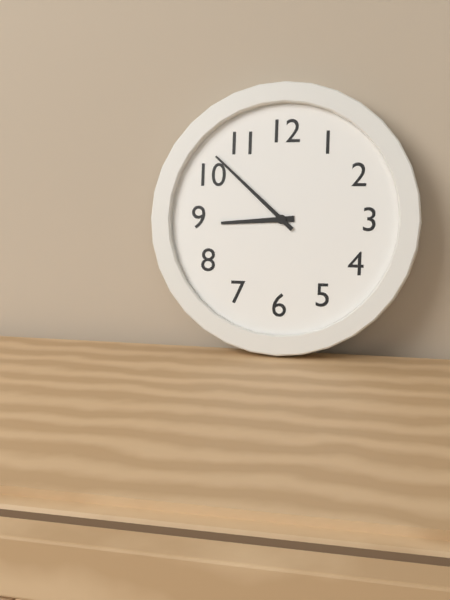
8:52
